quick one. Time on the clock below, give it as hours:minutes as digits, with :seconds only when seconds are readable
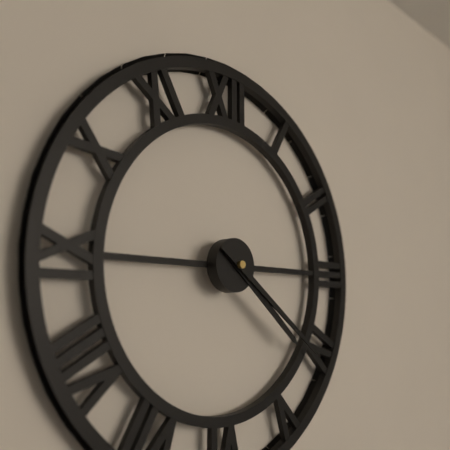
4:21
